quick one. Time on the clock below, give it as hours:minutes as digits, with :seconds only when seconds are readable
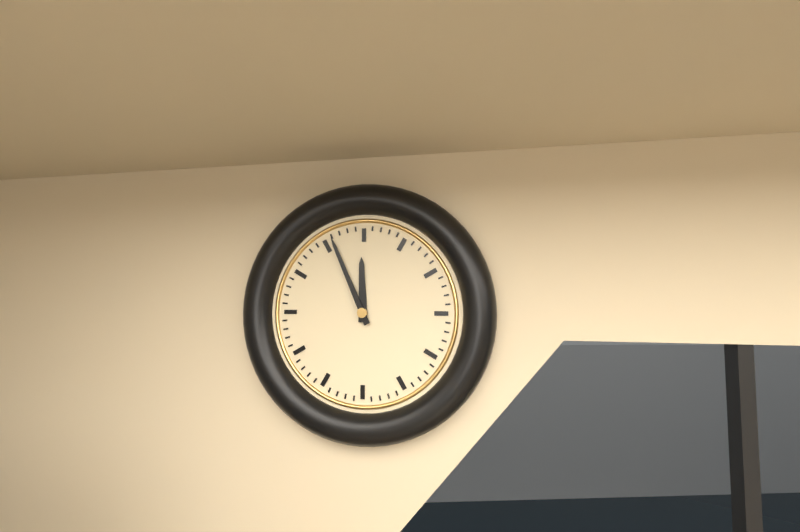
11:56
